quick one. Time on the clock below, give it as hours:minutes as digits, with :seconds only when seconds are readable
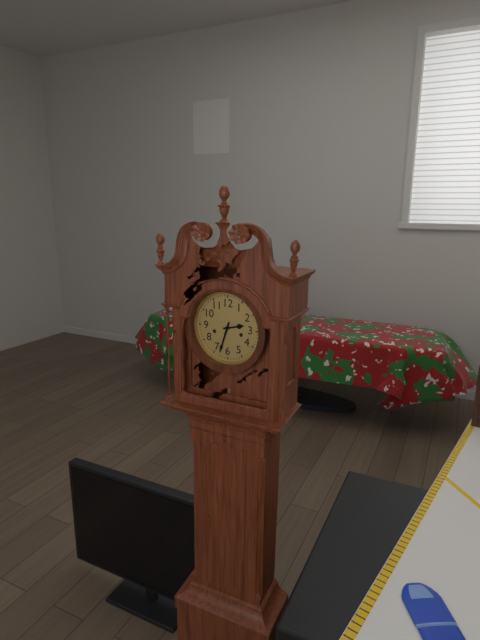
2:33
